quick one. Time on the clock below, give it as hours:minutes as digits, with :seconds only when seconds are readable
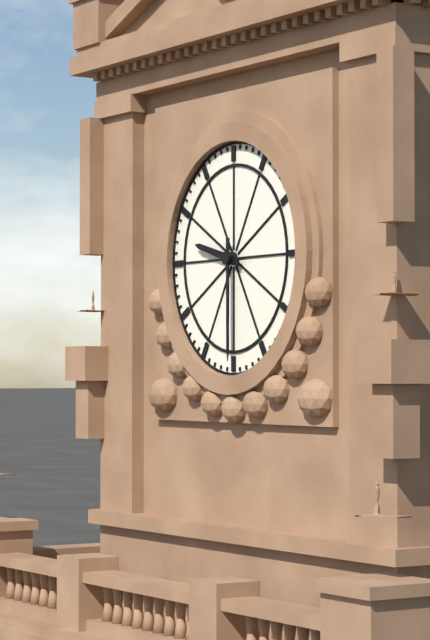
9:30
